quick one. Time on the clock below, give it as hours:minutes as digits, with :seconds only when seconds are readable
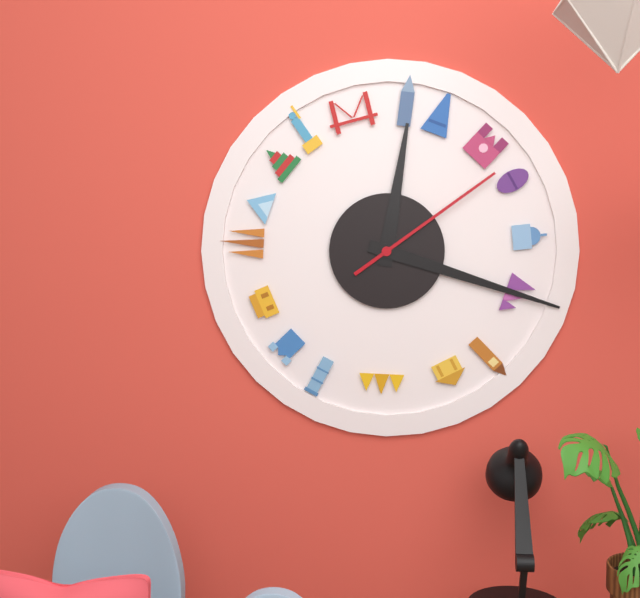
12:18:09
